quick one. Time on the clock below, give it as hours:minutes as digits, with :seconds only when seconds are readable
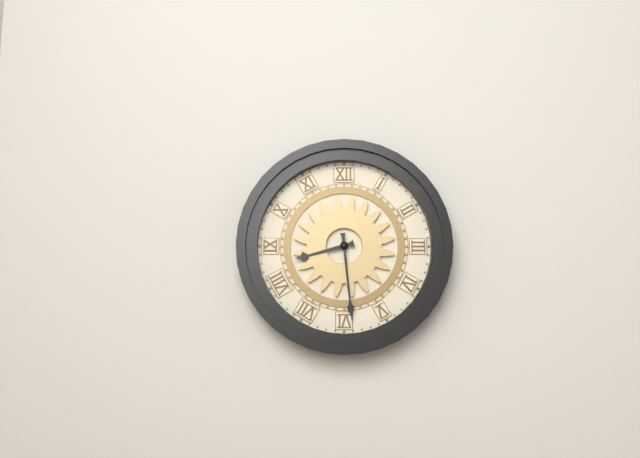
8:29
